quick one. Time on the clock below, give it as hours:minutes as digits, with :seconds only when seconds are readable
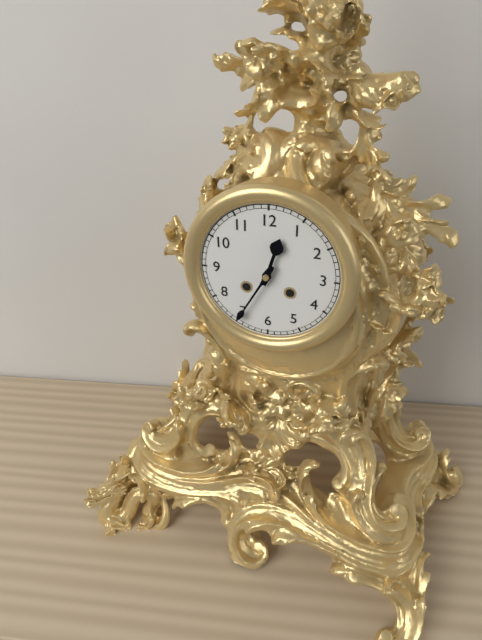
12:35
